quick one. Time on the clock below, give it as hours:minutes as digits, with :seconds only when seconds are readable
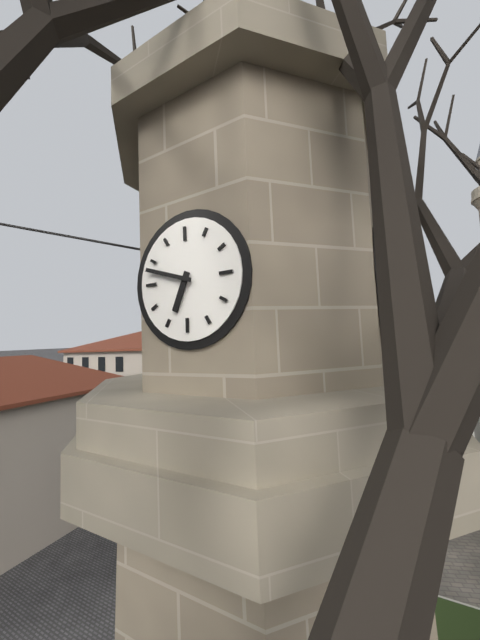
6:48
